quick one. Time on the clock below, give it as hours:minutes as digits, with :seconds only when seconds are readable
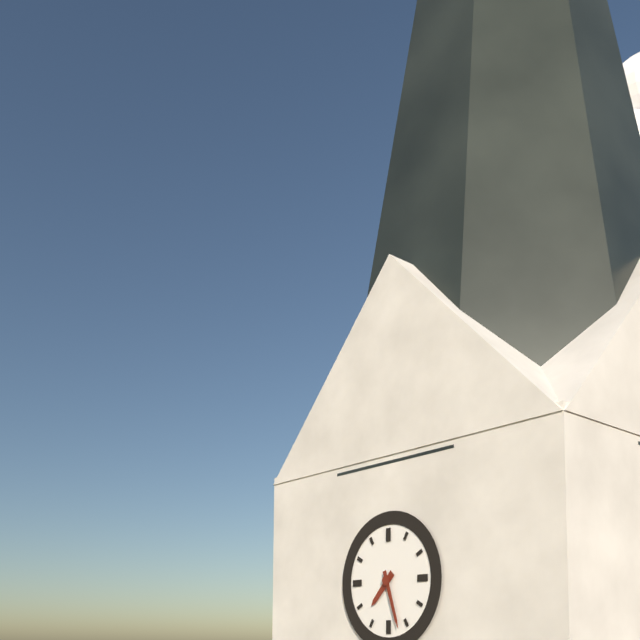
7:27
